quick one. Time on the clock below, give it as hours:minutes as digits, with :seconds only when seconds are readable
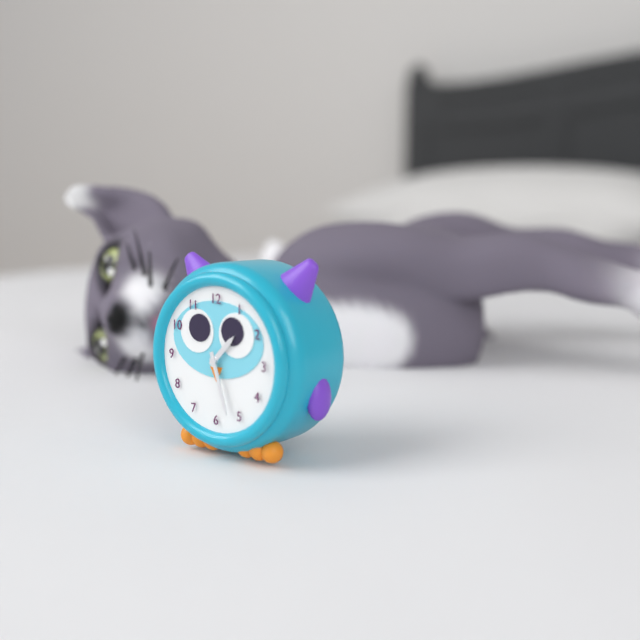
1:27
